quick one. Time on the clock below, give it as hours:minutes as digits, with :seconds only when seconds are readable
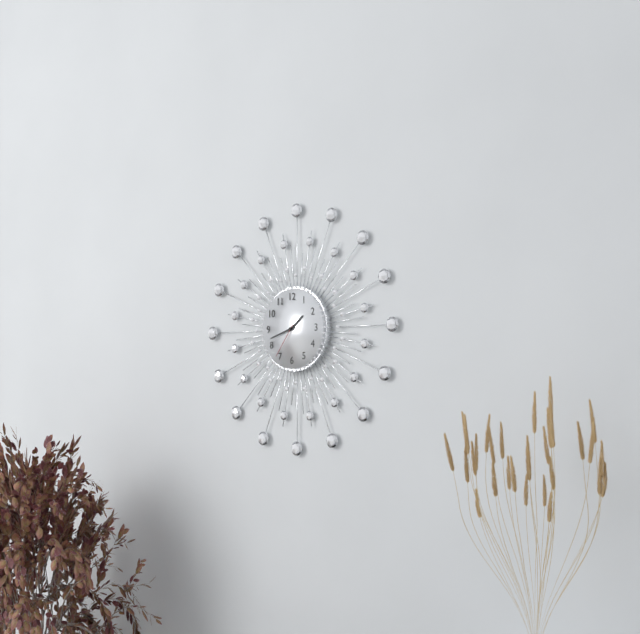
1:42
